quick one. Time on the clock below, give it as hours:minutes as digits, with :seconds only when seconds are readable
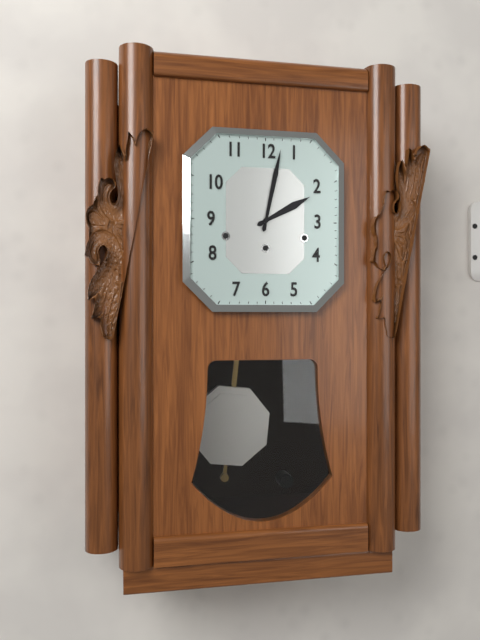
2:02
